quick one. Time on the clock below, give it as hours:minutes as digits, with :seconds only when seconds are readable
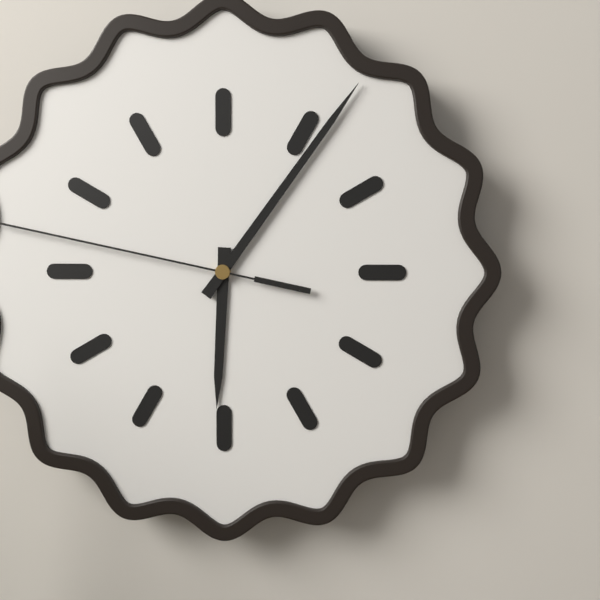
6:06
